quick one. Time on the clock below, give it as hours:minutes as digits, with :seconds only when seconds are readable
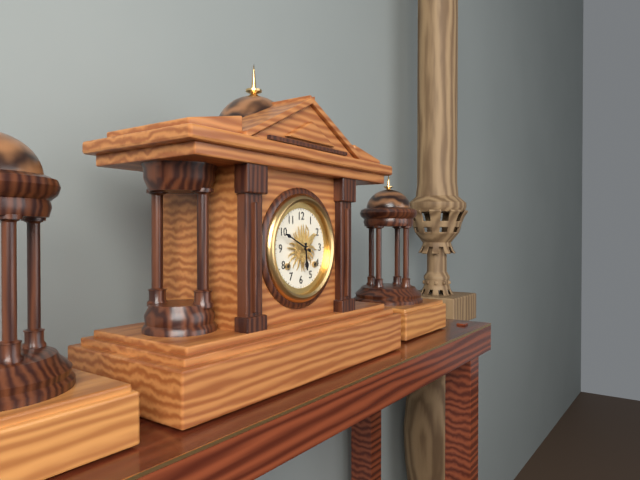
5:49
